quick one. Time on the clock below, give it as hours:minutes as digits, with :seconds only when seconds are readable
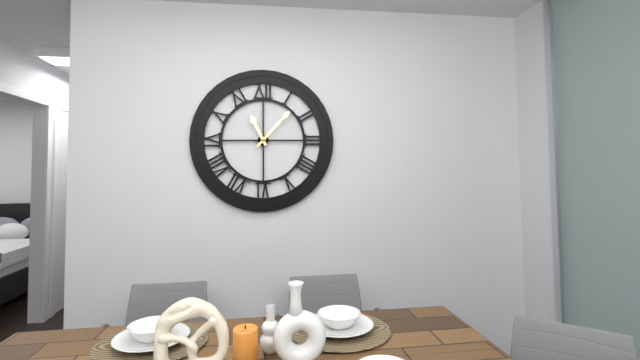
11:07
